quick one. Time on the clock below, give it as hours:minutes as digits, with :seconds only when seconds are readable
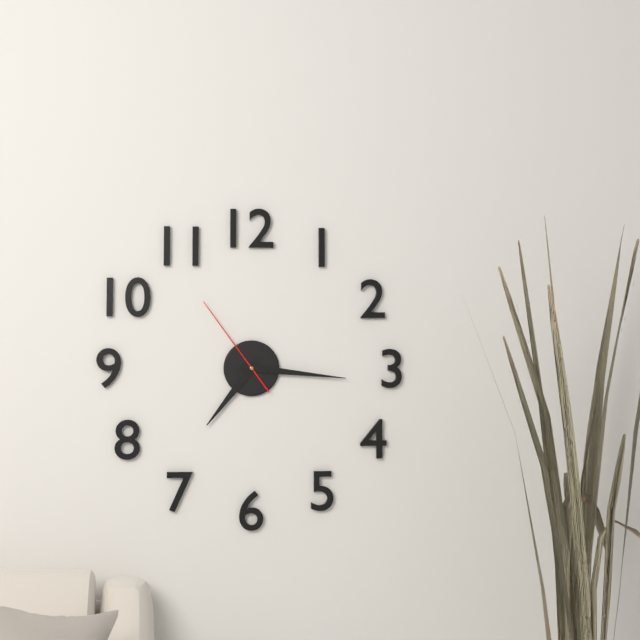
7:16:54
